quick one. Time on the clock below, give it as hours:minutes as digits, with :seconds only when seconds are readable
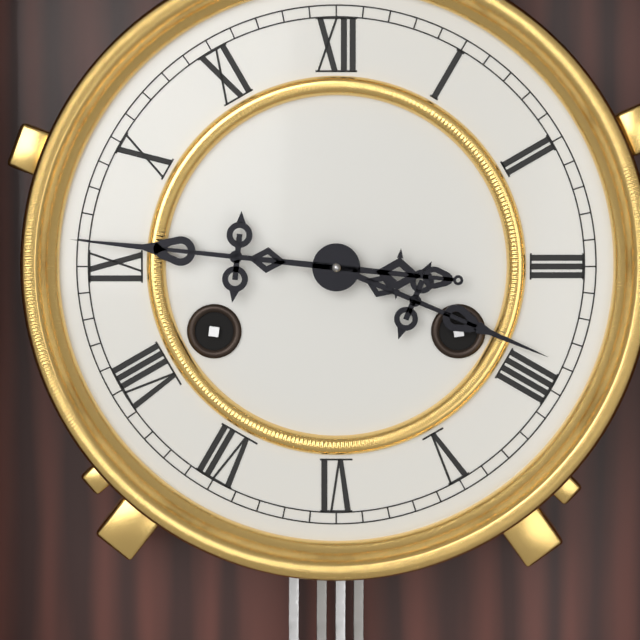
3:46
